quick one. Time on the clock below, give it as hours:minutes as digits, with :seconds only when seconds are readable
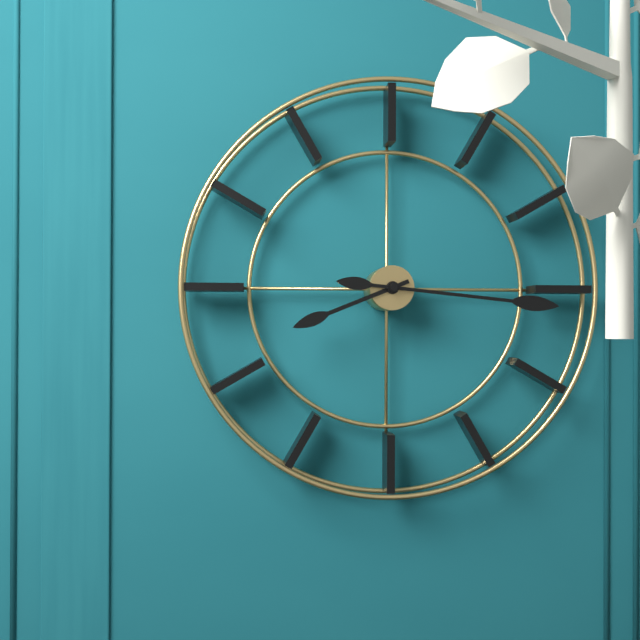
8:16
